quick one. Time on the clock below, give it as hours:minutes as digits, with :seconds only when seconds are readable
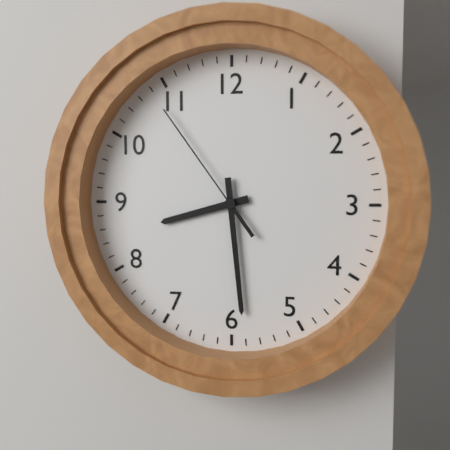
8:29:54
